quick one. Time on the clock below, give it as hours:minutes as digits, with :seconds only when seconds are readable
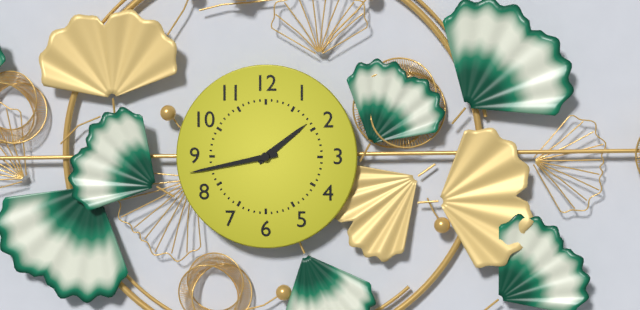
1:43
